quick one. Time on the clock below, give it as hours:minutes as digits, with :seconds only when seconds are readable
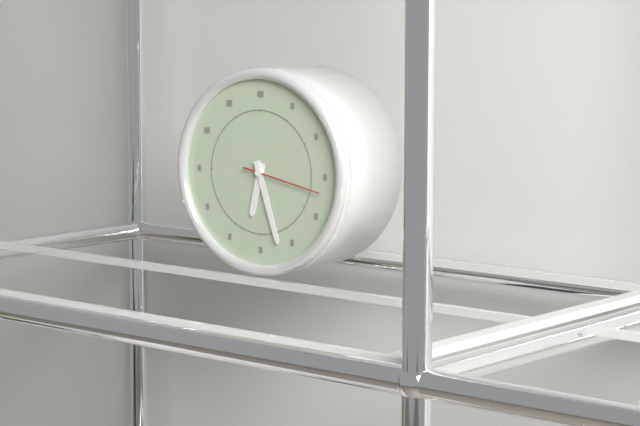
6:27:17
